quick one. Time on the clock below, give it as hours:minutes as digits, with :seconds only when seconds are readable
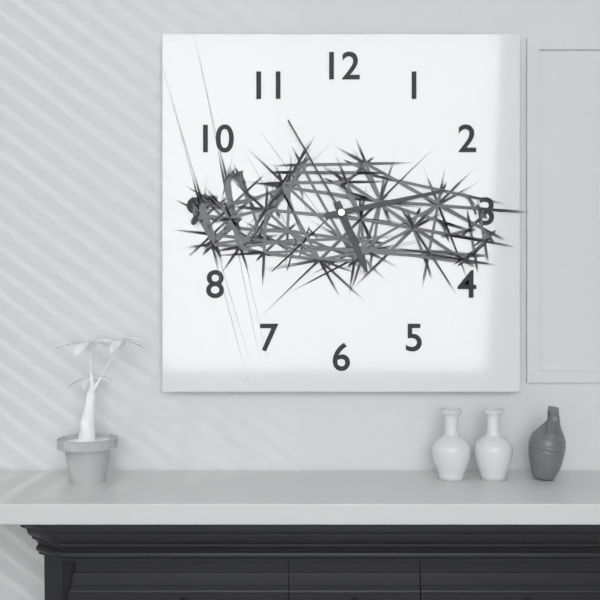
5:13:55
